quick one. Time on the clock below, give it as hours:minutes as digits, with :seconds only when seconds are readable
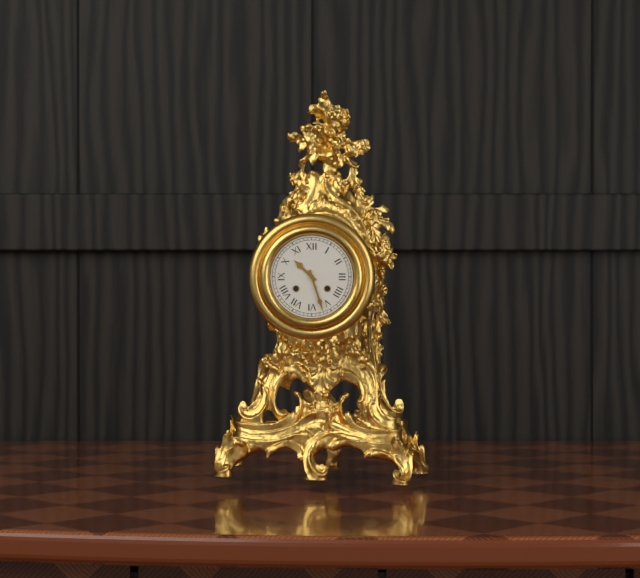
10:27
